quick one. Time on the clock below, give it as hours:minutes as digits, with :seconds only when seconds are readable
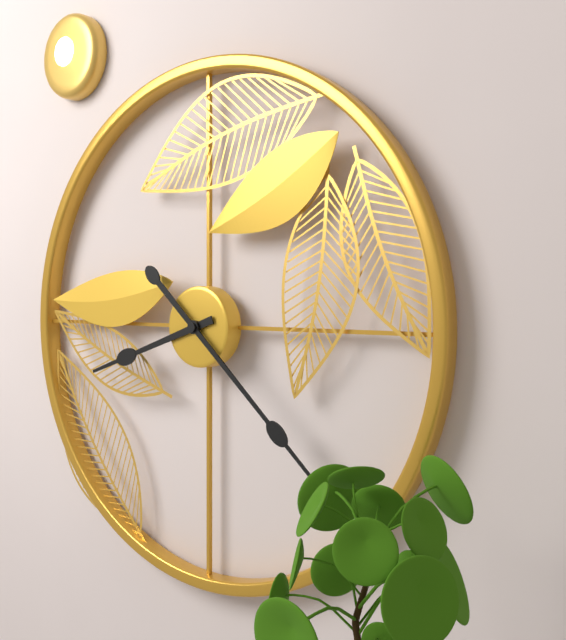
8:22
